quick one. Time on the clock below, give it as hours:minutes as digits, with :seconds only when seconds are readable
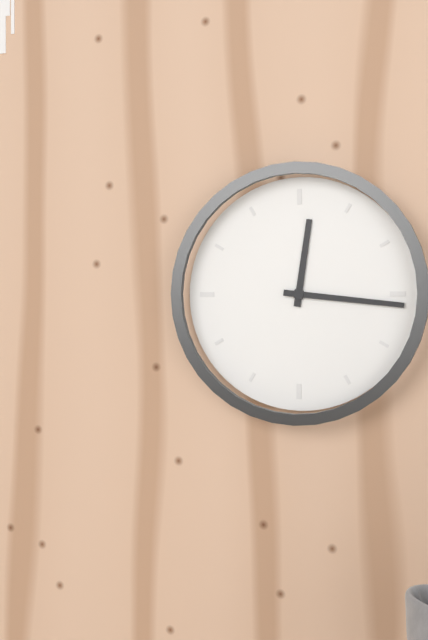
12:16
